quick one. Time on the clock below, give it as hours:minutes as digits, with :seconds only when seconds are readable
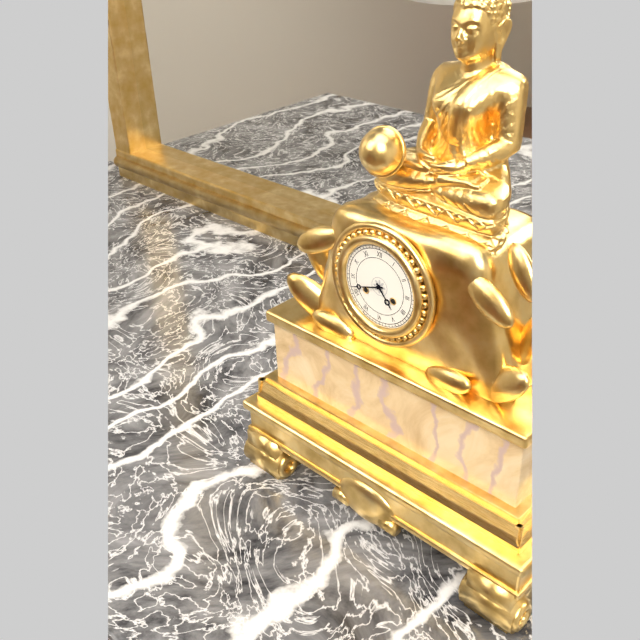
4:42
